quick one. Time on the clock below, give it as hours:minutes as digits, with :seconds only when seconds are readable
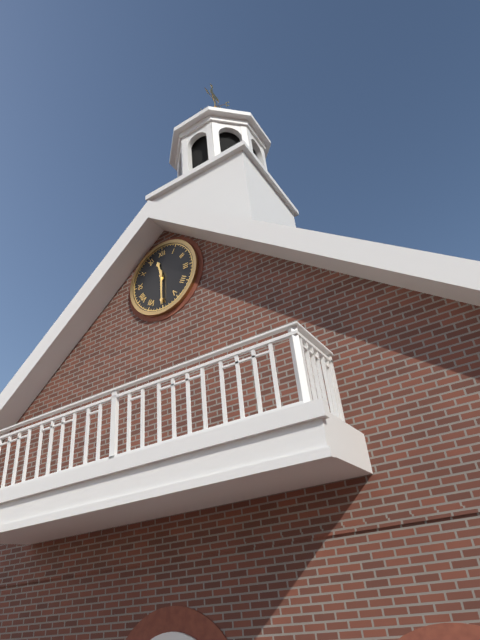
11:30
